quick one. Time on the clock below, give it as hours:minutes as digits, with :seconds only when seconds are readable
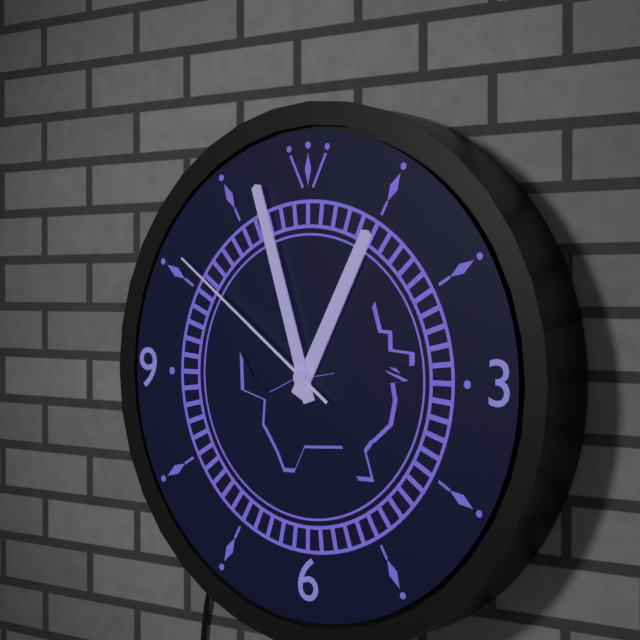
12:57:51
